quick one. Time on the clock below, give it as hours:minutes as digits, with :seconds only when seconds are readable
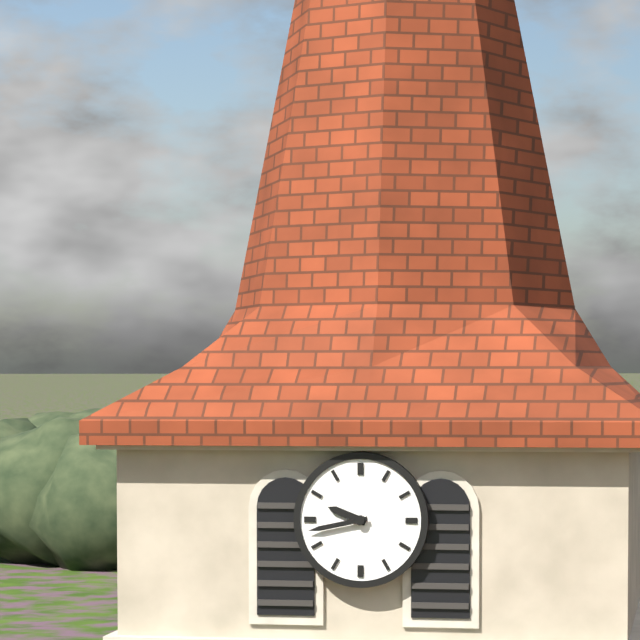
9:43
